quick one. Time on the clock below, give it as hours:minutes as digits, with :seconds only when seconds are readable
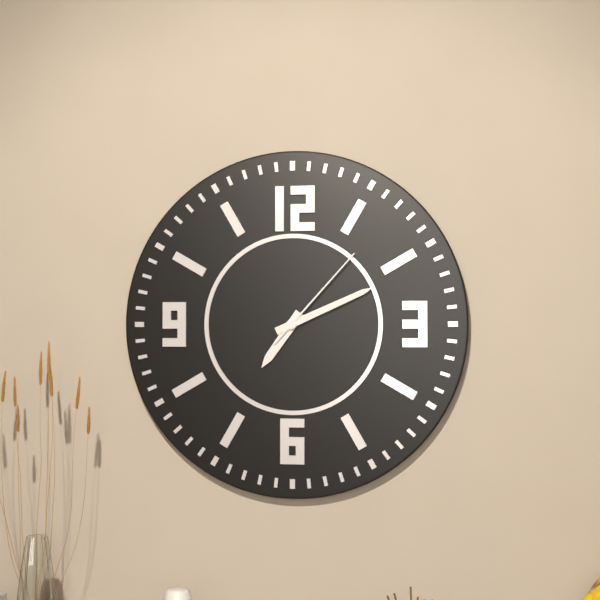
7:11:07
